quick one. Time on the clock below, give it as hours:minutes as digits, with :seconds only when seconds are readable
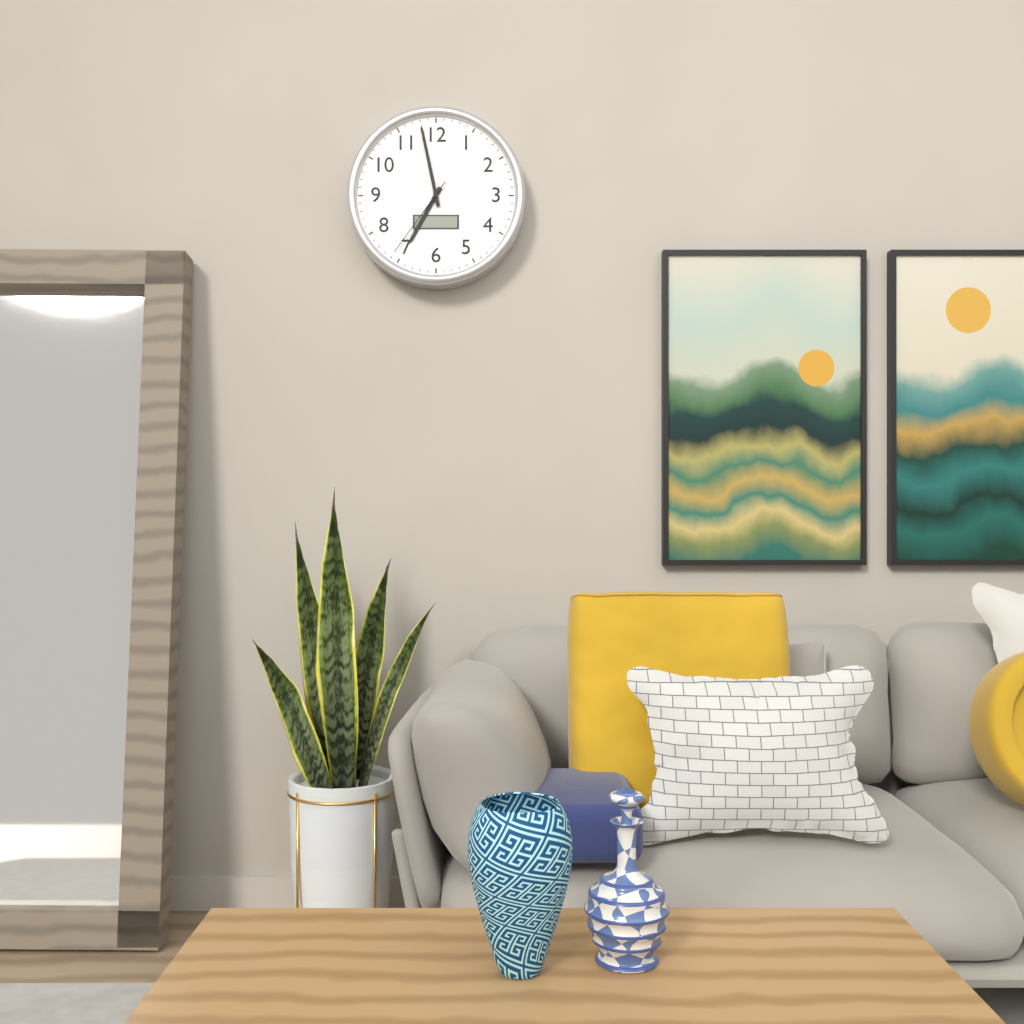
6:58:36
